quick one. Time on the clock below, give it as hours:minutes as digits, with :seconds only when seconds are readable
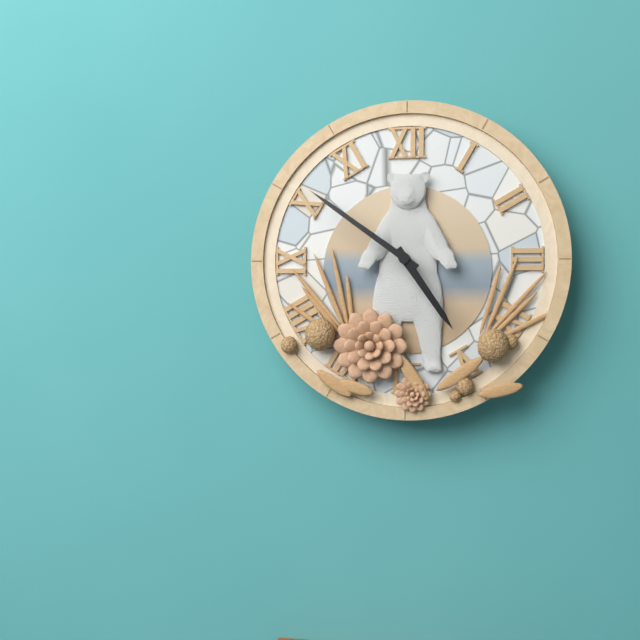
4:51
